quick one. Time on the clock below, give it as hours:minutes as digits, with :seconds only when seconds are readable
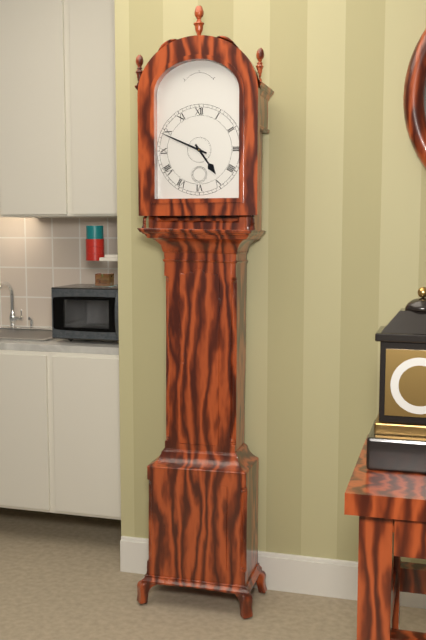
4:49
